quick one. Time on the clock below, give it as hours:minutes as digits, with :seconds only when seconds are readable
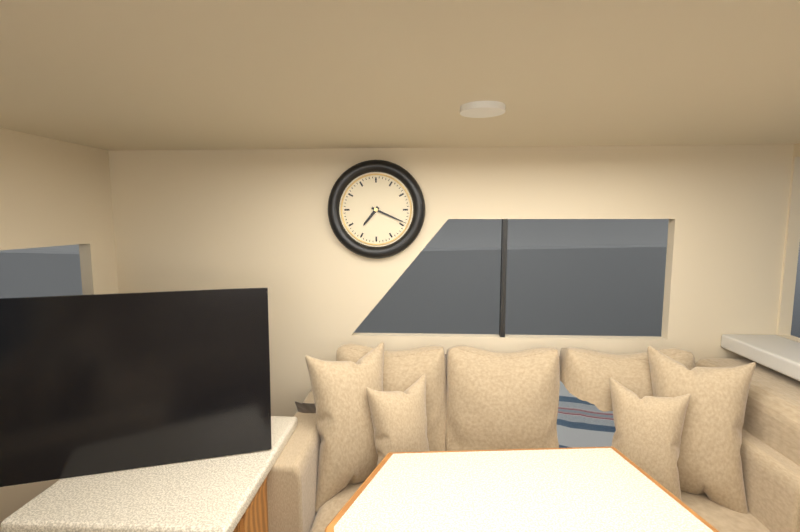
7:19
